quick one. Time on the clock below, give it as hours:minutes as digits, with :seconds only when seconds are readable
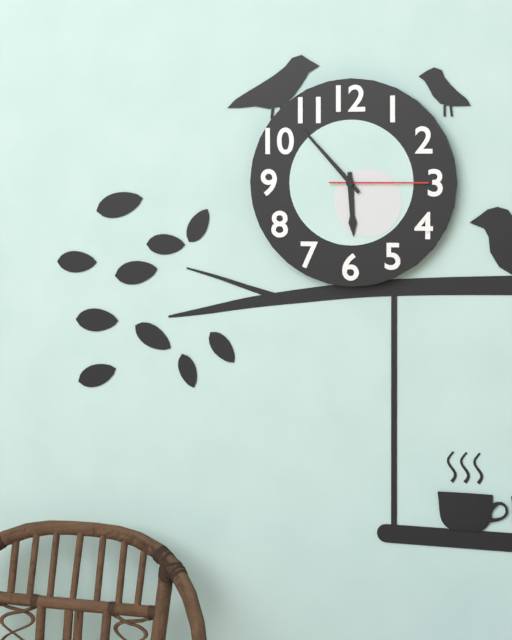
5:53:15
